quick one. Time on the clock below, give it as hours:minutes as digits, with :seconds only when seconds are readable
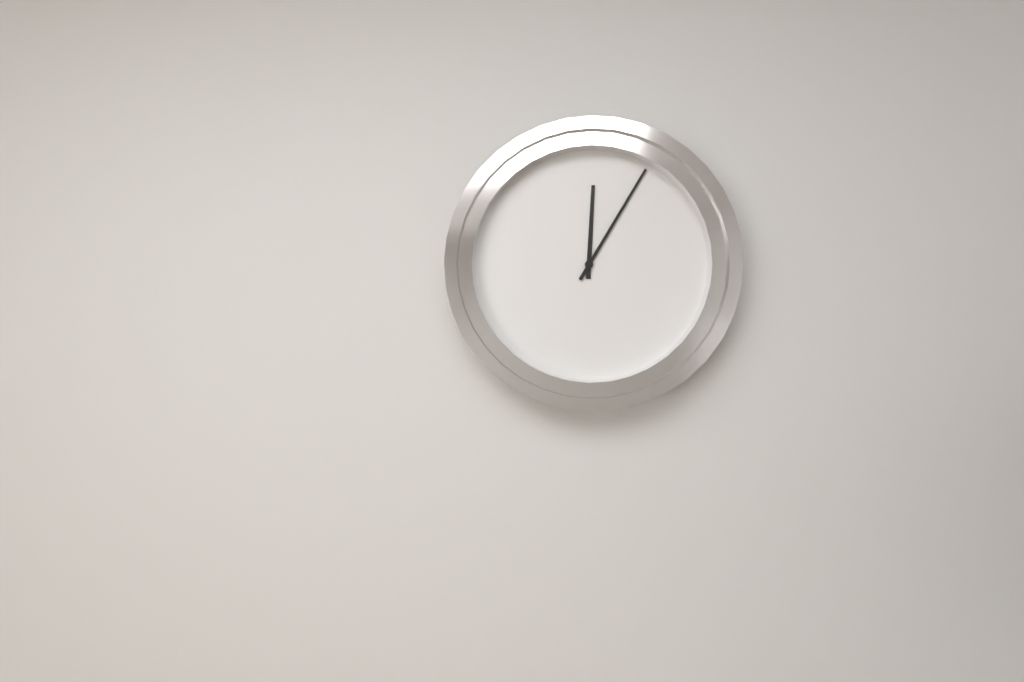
12:05
